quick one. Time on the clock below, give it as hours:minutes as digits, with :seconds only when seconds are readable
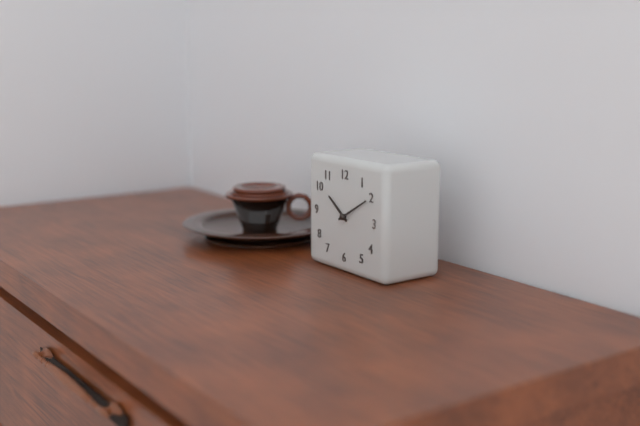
10:10
